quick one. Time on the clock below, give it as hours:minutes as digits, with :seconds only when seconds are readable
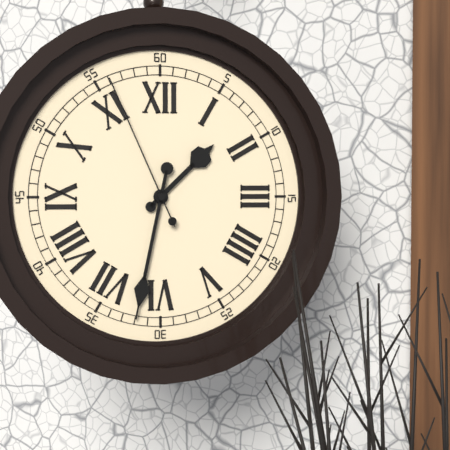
1:32:56
